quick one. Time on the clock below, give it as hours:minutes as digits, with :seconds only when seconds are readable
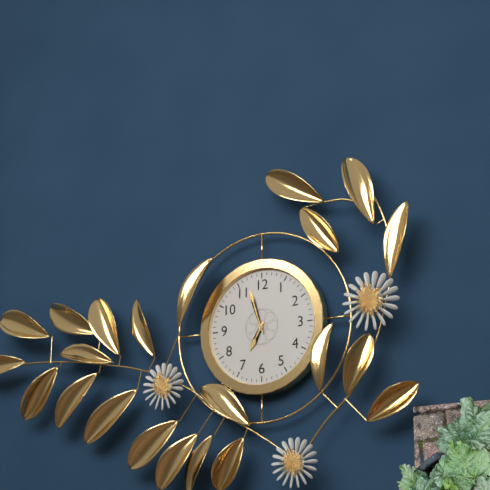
6:57
